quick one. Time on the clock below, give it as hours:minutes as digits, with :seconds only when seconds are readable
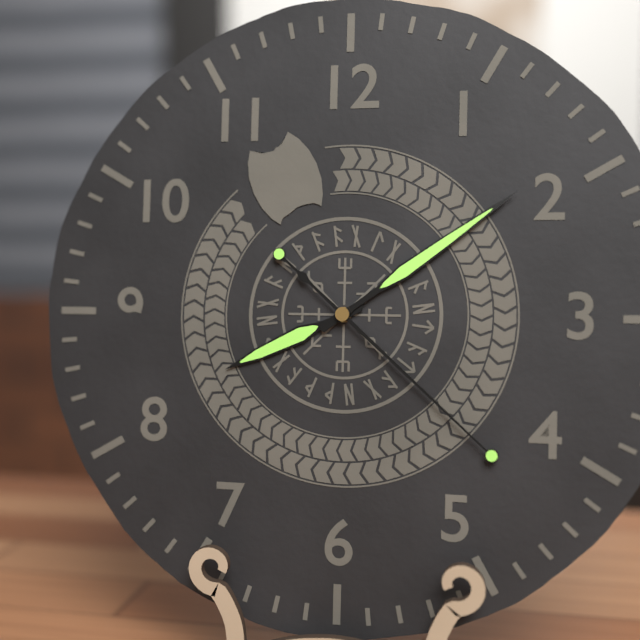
8:09:22
